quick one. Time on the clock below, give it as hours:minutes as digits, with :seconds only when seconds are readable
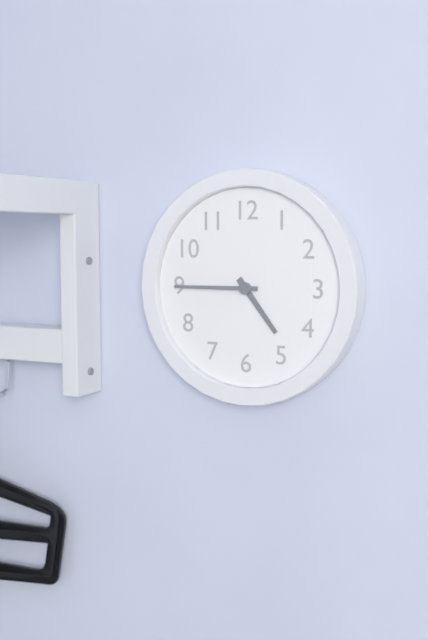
4:45
